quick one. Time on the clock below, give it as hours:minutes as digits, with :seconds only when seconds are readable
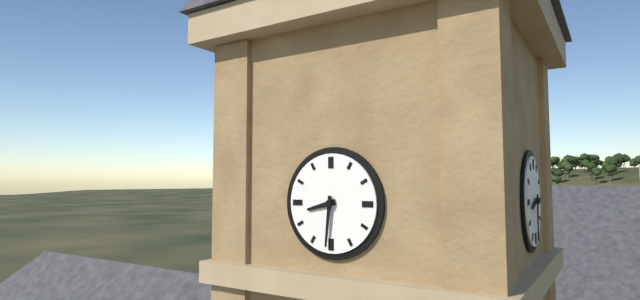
8:31
